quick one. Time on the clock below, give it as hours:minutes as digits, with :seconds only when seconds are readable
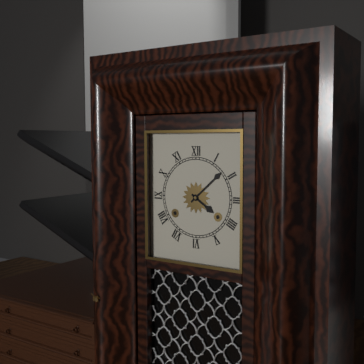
4:08
